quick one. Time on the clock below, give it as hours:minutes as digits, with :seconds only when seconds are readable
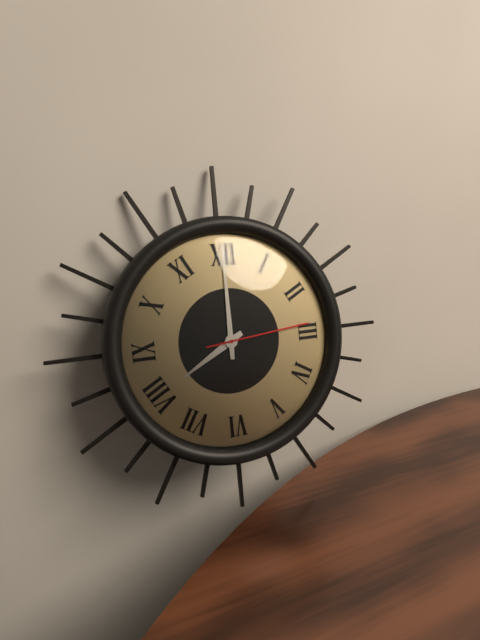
8:00:14
